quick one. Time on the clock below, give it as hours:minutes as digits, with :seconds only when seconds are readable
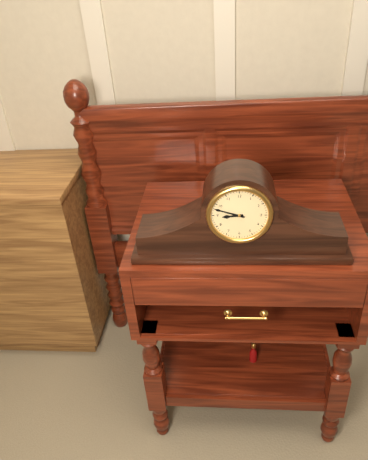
8:48
